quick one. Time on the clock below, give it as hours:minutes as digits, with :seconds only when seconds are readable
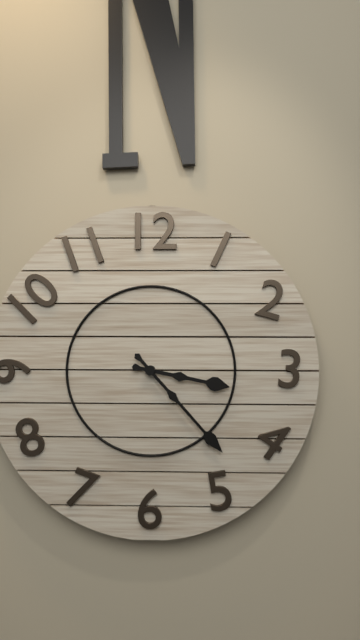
3:23
